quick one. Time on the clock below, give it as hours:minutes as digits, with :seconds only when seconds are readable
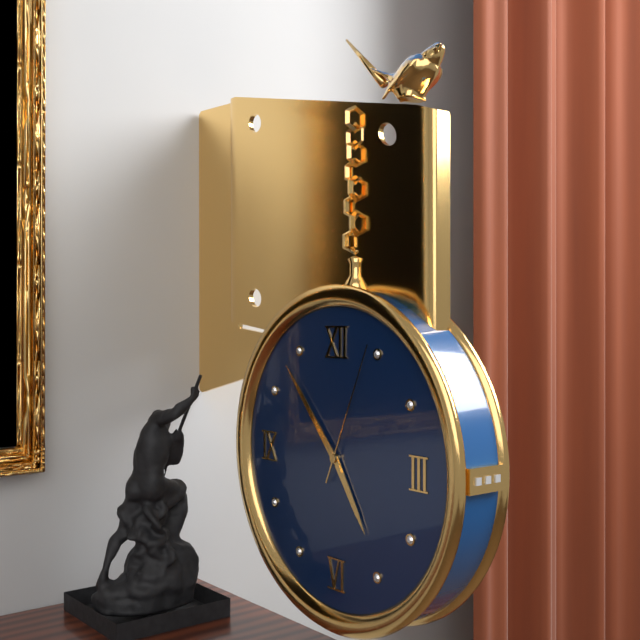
4:53:04
